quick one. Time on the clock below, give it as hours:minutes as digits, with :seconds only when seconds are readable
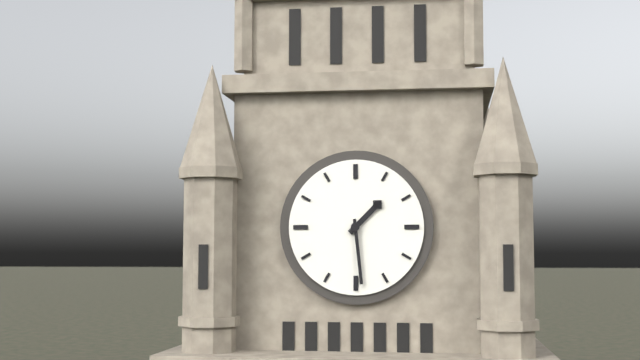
1:29
